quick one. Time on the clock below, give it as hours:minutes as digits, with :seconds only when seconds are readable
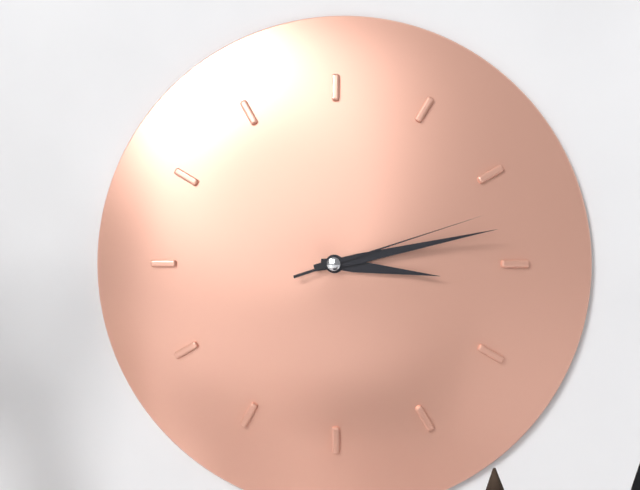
3:13:12
